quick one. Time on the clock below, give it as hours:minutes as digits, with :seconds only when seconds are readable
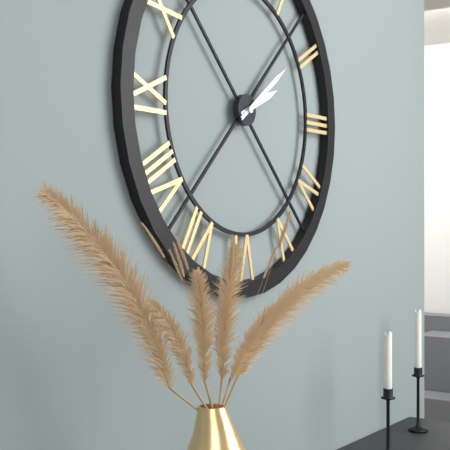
2:09
